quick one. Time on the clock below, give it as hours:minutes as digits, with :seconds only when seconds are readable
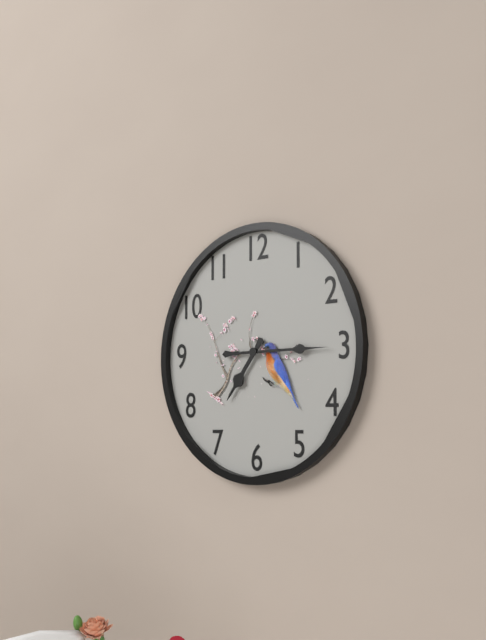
7:15
